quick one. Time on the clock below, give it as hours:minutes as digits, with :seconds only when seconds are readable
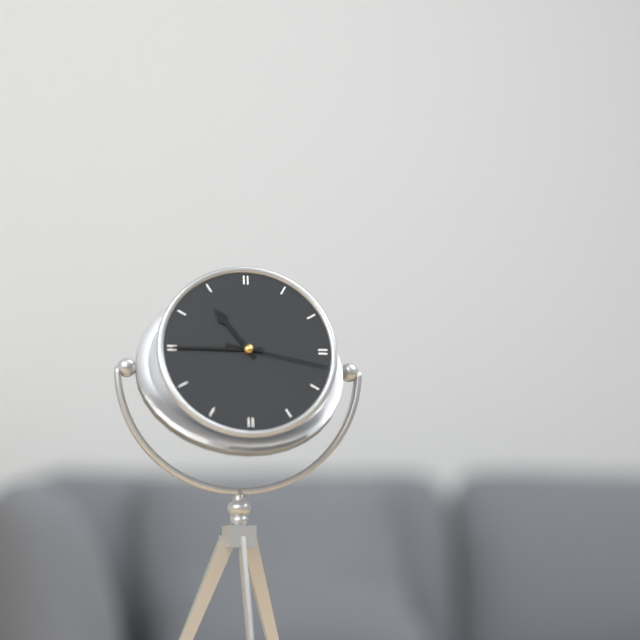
10:45:17
